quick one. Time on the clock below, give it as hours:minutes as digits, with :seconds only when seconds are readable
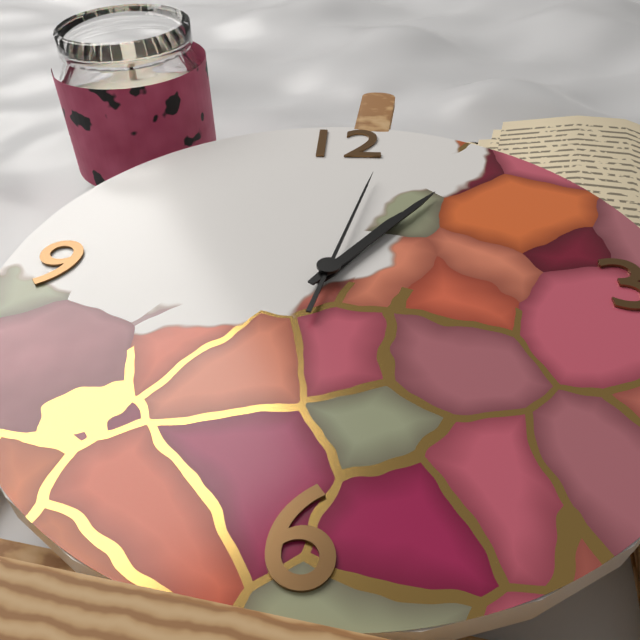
1:06:02
